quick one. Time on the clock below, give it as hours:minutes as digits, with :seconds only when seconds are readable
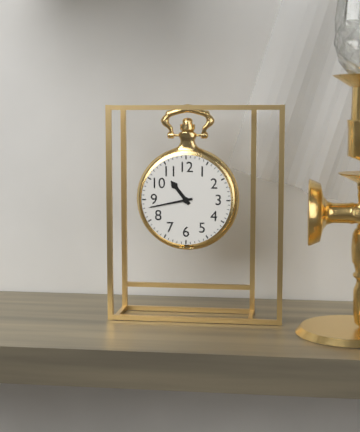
10:43
